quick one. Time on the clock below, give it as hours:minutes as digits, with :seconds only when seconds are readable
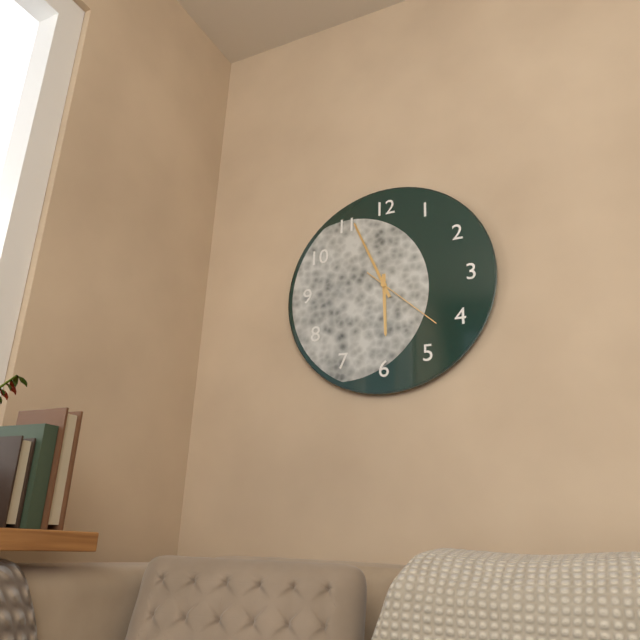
5:56:22
